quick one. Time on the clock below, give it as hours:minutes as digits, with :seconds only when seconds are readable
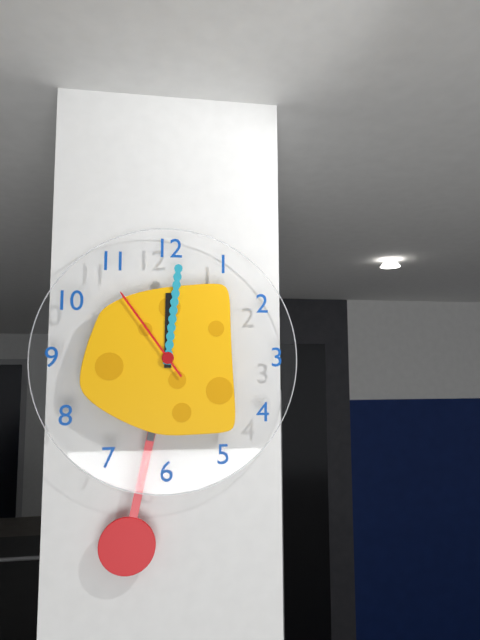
12:01:54
